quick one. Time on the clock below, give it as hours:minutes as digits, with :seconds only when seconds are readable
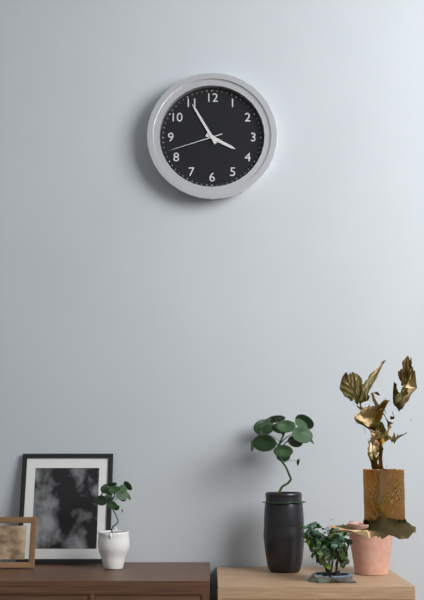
3:55:42
